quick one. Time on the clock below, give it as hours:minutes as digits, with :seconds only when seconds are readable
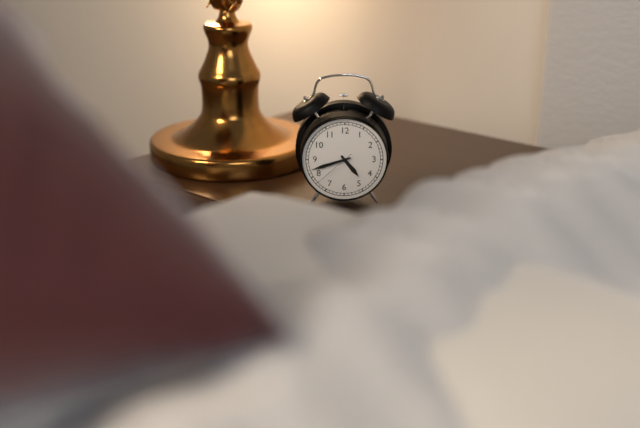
4:42
